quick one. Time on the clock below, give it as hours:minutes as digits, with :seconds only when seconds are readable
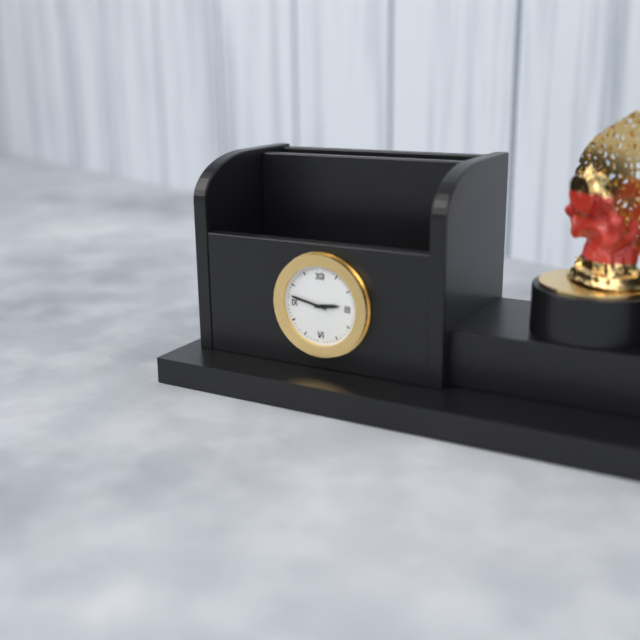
2:47
